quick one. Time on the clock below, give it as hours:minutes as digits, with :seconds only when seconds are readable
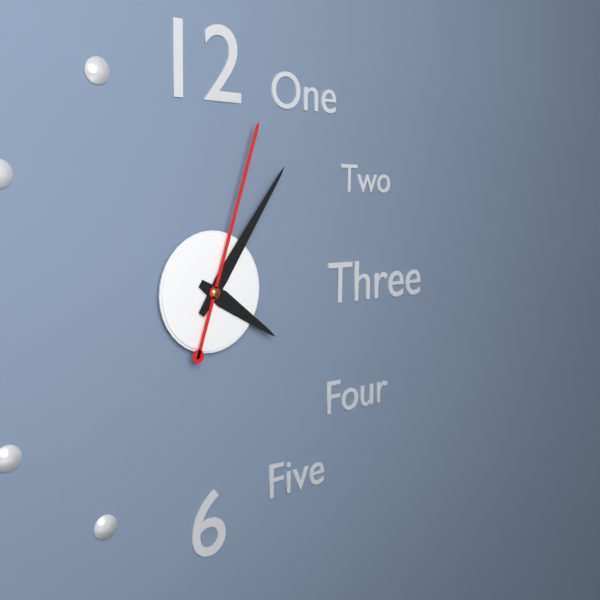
4:06:03
